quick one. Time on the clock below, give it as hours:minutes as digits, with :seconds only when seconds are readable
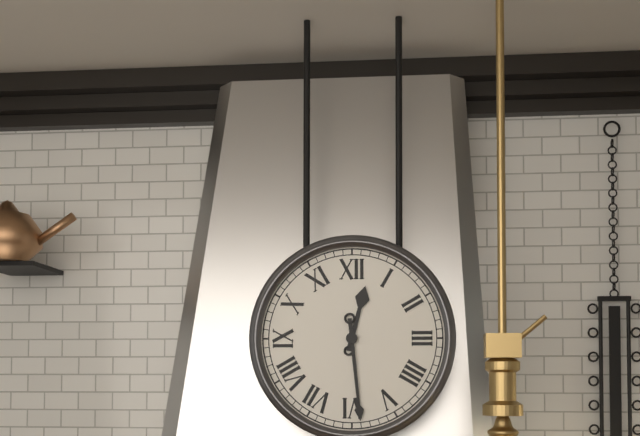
12:29
